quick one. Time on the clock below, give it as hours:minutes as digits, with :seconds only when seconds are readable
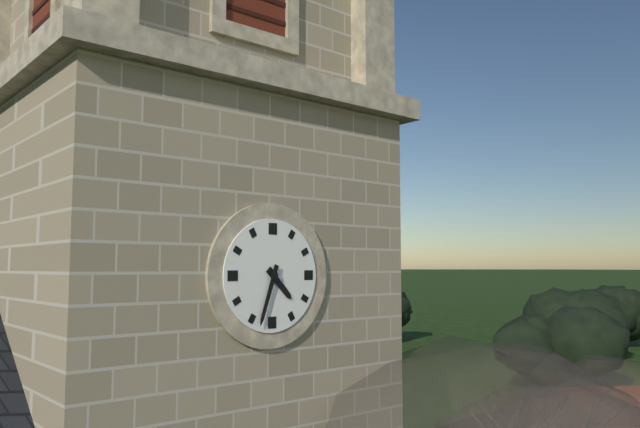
4:33
